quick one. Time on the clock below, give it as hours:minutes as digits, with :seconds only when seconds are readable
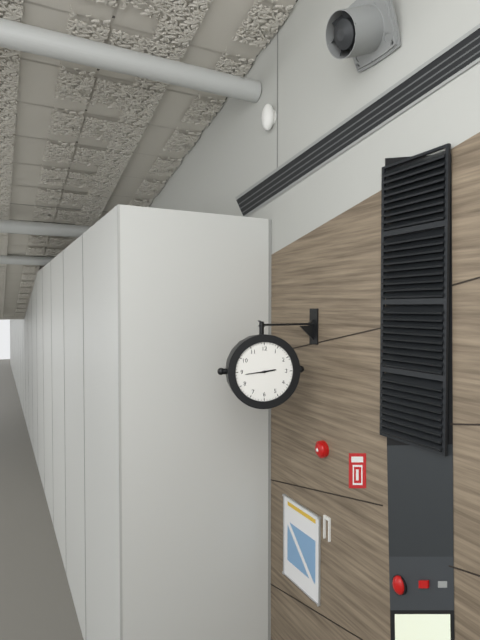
2:44
